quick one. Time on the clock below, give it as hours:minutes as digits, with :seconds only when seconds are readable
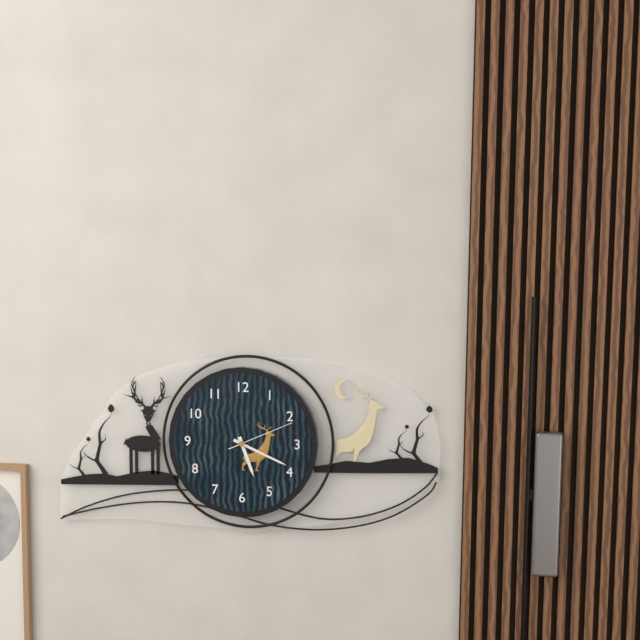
5:19:11
